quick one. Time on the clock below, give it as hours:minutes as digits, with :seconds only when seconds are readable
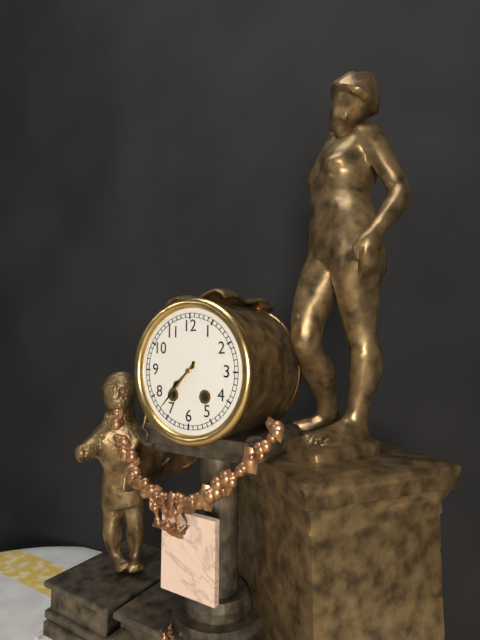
7:37
